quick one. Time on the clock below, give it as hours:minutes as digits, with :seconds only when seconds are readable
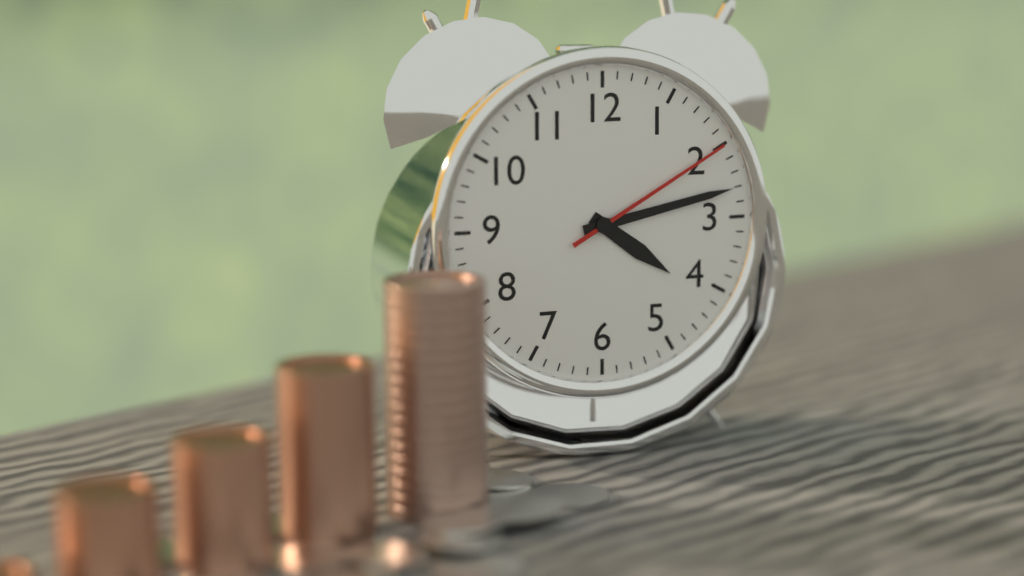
4:13:10
